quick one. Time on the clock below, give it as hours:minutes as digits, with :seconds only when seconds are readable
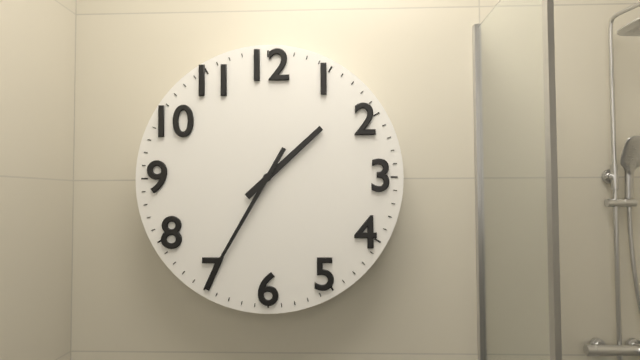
1:35
